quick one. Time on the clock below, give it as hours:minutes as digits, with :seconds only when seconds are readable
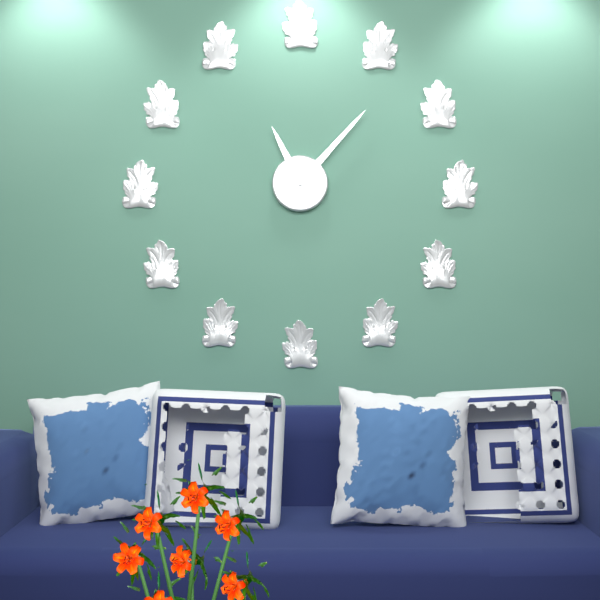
11:07
